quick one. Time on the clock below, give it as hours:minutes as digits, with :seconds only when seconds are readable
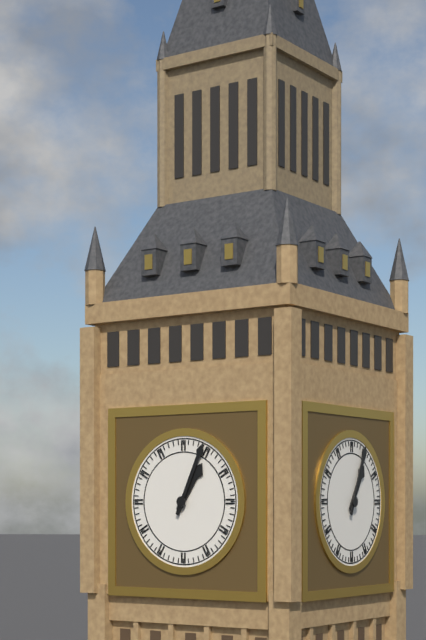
1:04
